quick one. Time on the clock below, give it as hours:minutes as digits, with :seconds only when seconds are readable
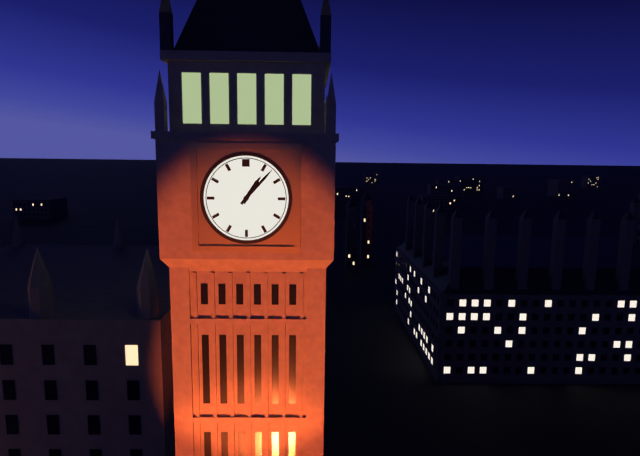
1:07
